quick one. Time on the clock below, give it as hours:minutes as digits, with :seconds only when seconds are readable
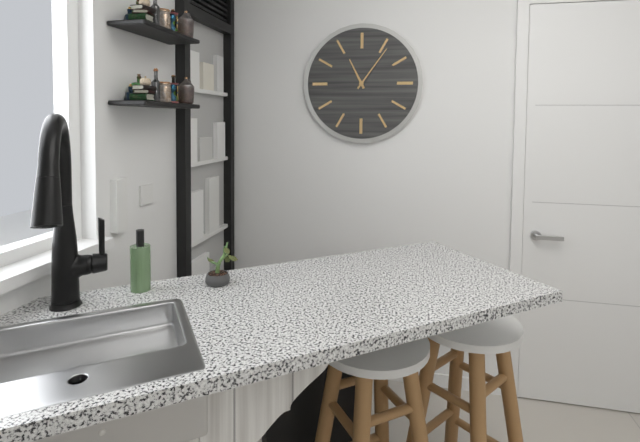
11:06
